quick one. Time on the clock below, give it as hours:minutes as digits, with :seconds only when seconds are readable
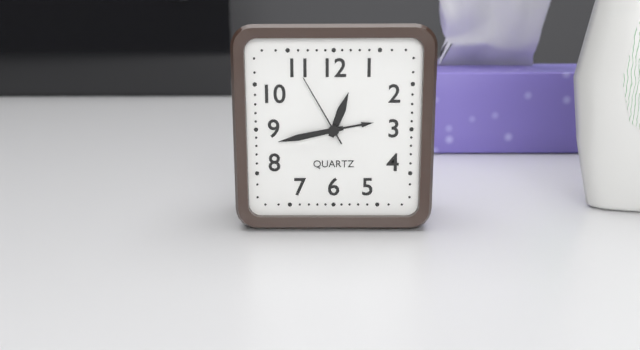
12:43:55
